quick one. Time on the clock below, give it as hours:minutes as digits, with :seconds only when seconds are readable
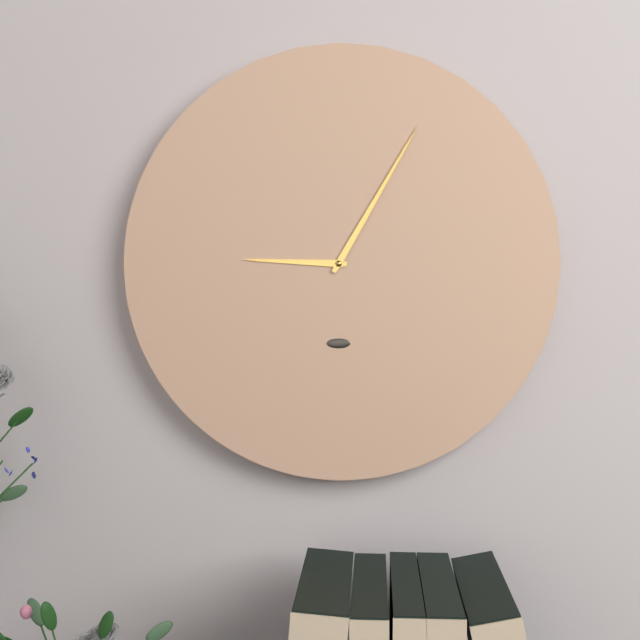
9:05
